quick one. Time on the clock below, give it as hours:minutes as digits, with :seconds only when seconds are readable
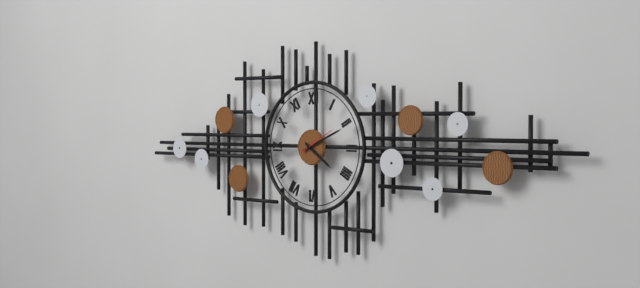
4:11
